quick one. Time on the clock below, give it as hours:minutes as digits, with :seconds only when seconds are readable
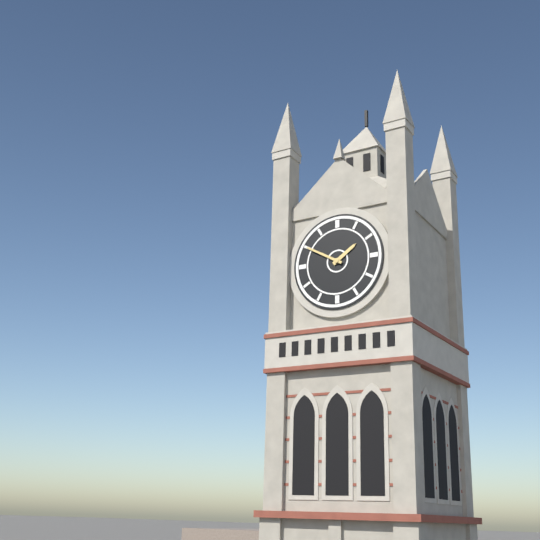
1:50
